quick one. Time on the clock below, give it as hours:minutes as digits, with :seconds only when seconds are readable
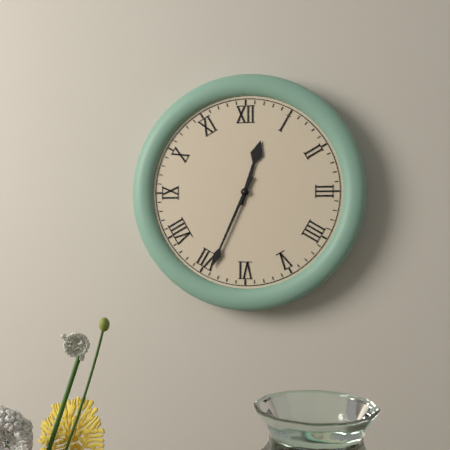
12:34
